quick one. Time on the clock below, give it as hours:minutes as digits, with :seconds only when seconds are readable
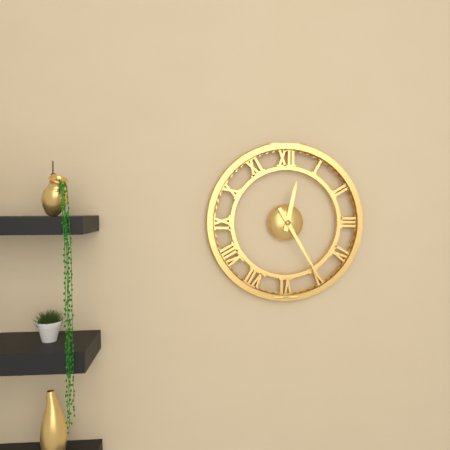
12:25
